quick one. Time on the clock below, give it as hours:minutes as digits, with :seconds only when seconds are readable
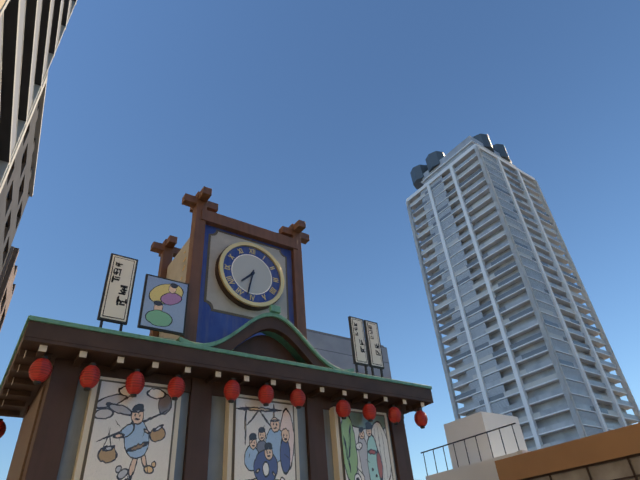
7:32
